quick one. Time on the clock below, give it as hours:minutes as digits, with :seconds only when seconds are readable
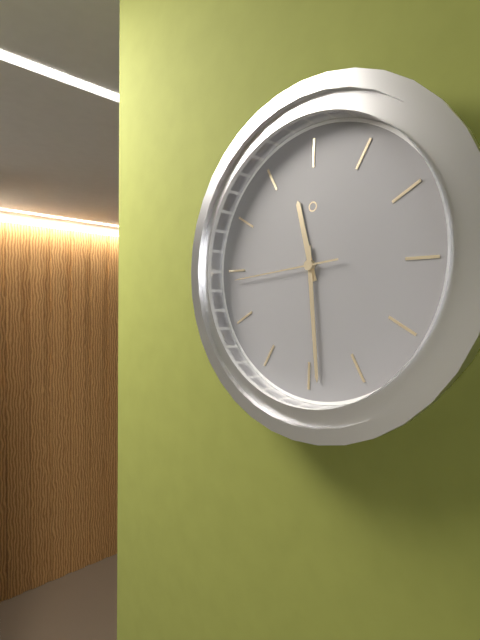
11:29:44
